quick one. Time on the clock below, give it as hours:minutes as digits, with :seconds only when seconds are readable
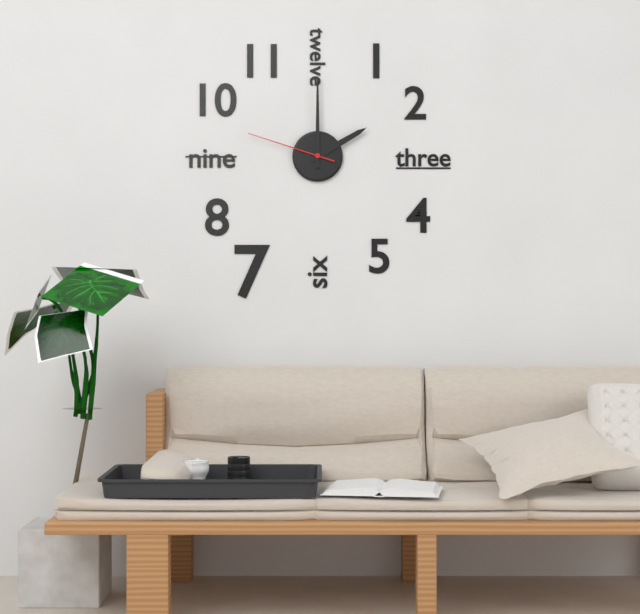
2:00:48
